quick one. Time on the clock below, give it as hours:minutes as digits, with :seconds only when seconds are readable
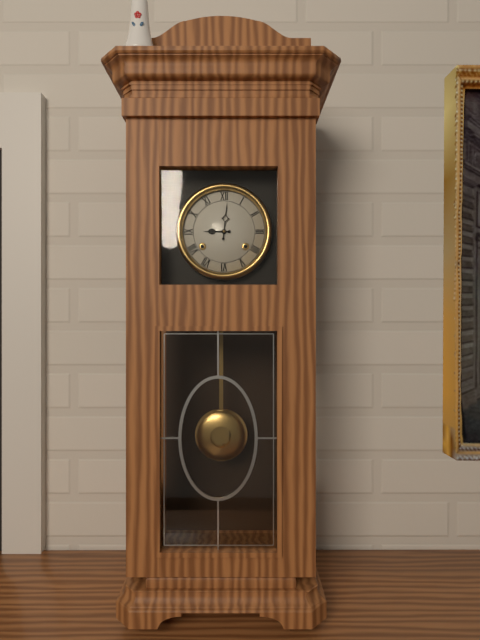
9:01
